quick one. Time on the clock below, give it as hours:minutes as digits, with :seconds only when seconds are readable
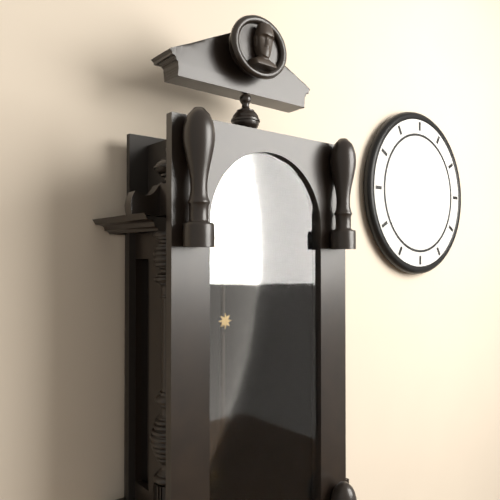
12:49
